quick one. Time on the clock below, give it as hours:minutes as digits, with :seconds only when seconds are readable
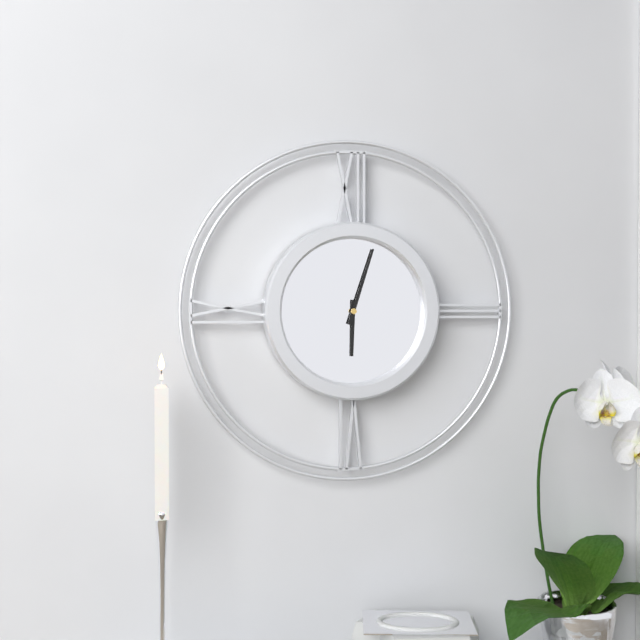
6:03
